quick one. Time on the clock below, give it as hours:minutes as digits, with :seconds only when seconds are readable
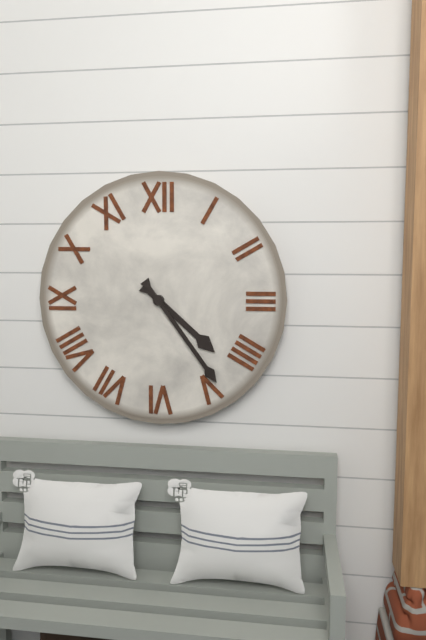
4:24
